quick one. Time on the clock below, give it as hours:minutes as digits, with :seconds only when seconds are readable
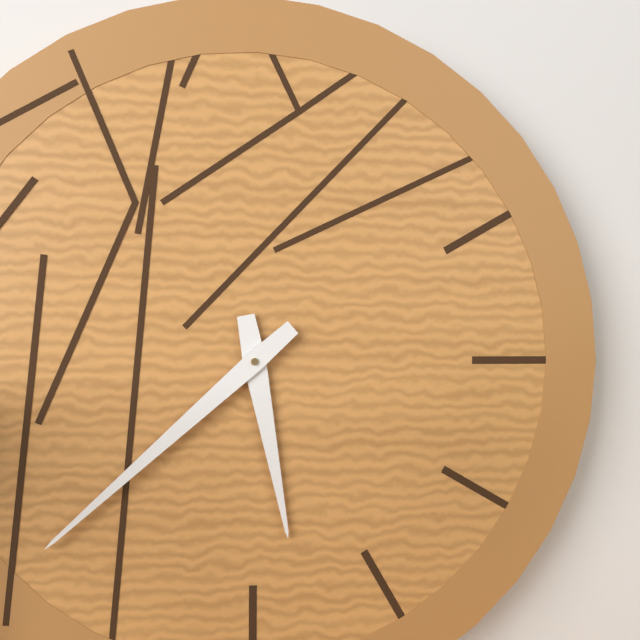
5:38
